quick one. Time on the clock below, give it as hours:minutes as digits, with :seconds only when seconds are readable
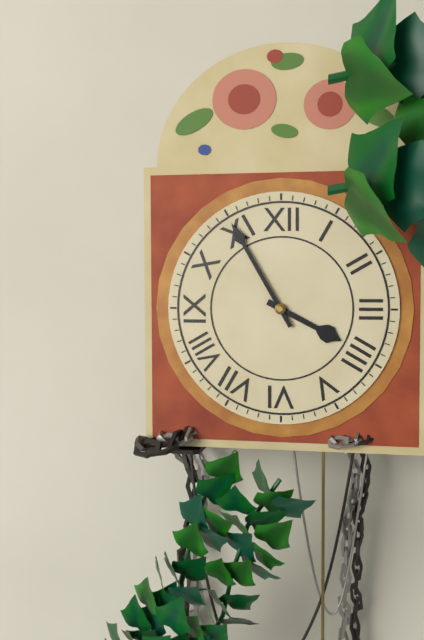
3:55
